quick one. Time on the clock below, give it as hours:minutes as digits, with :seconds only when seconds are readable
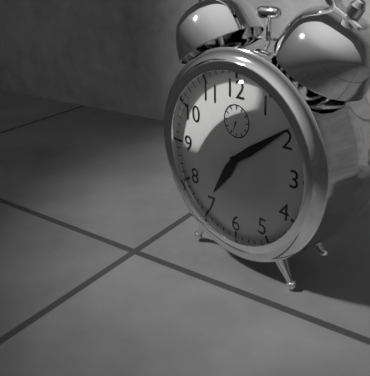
7:09
